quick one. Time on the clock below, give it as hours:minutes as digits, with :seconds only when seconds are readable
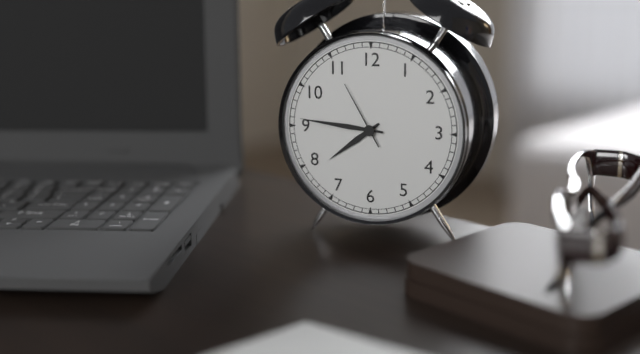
7:46:55
